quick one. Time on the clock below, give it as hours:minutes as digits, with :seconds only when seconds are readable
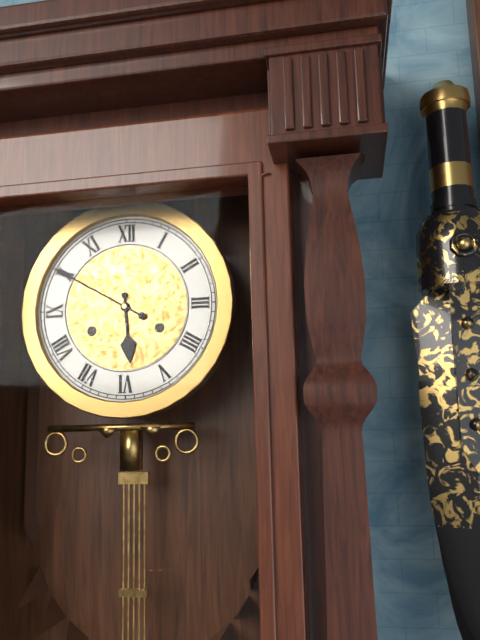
5:50
